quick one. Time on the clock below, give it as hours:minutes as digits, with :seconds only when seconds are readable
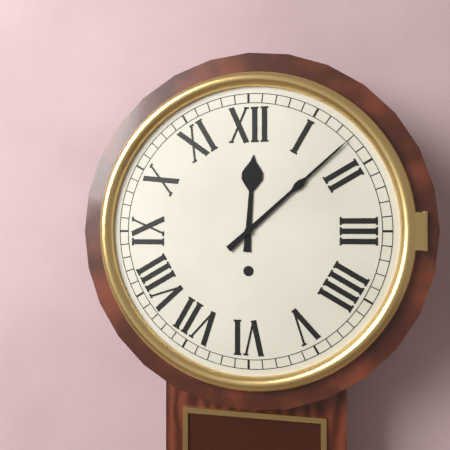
12:08
